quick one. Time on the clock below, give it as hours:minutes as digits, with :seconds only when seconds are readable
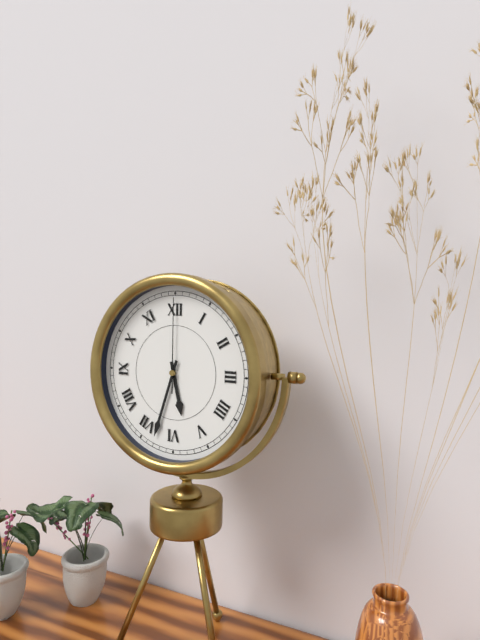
5:33:00
